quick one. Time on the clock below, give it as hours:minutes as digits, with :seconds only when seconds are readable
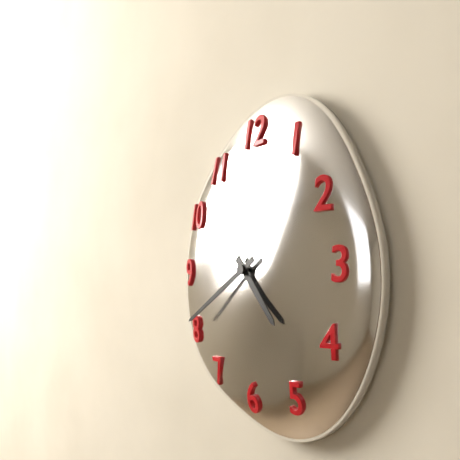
4:40
